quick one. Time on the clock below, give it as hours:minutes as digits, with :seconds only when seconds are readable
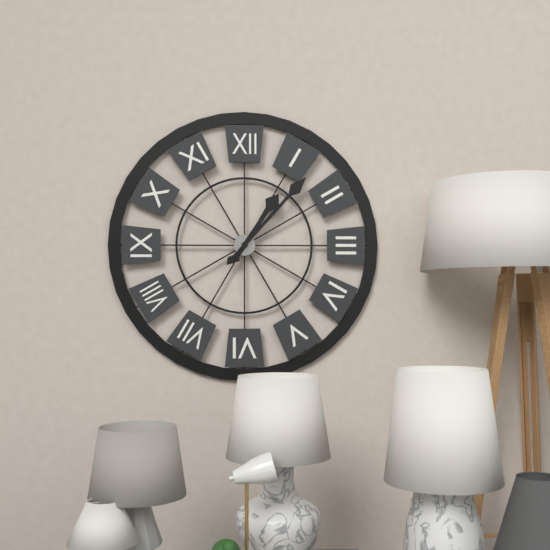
1:07
